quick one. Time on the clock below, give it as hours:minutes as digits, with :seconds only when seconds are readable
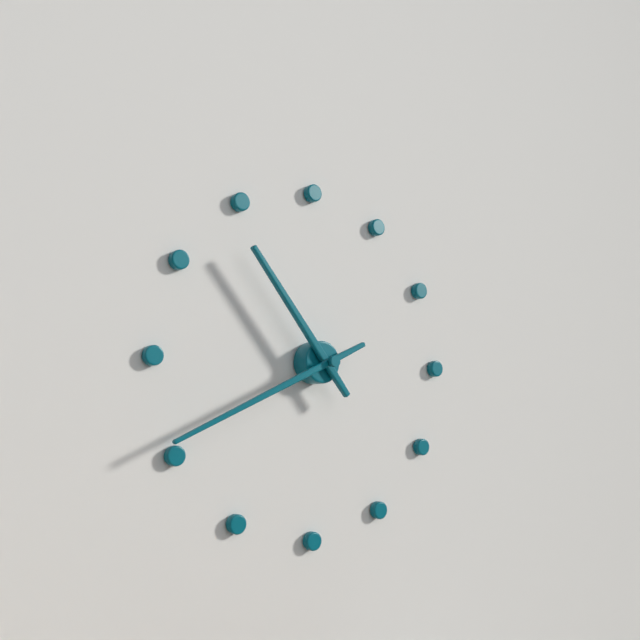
10:41
